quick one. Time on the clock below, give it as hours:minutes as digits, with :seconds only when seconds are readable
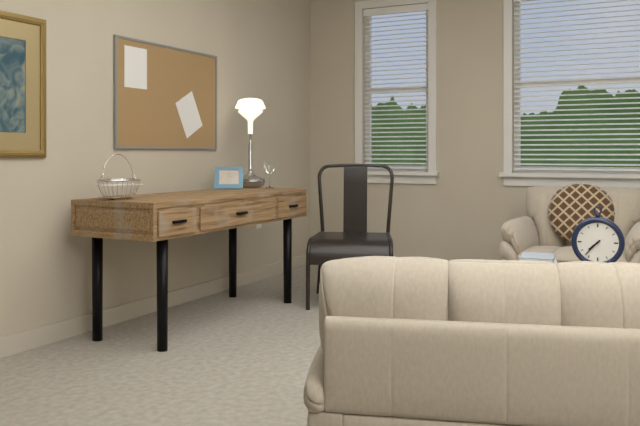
7:37
